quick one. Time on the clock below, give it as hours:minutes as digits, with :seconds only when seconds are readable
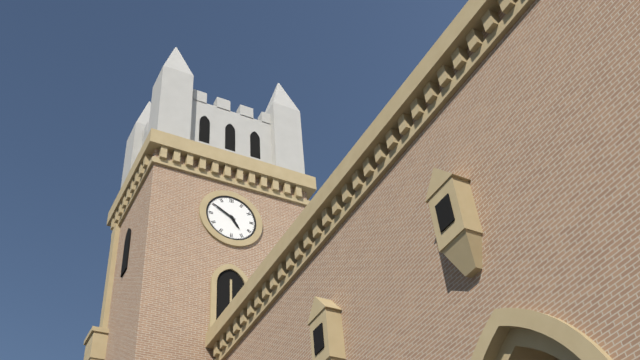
4:50
